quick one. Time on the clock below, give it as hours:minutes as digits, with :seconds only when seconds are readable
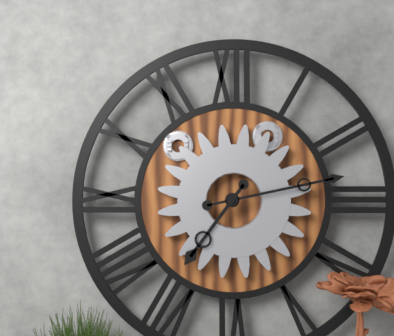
7:13
